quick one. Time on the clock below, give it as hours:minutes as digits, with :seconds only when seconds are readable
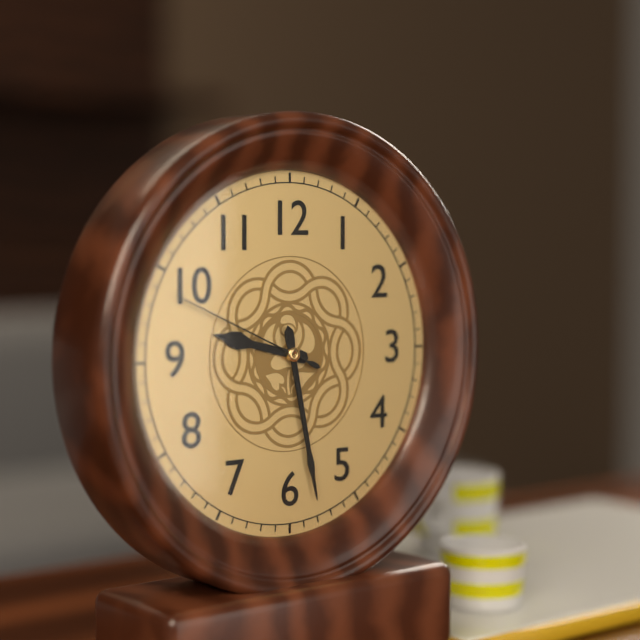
9:28:49
